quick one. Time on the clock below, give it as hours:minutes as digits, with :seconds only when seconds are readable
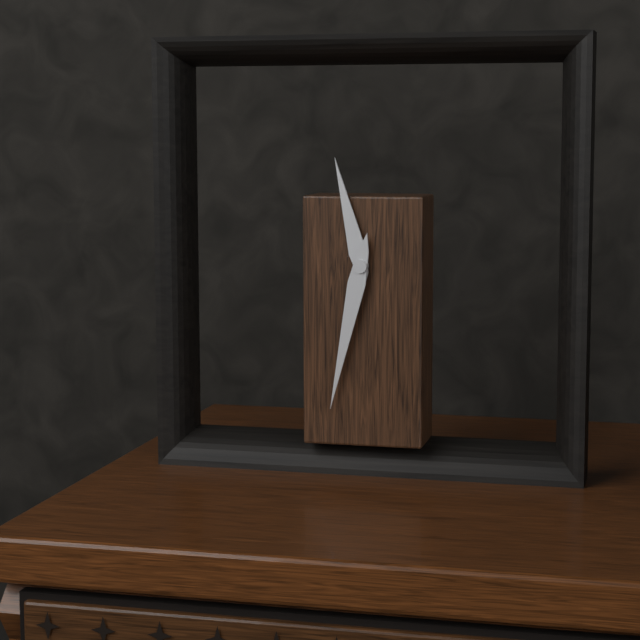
11:32
